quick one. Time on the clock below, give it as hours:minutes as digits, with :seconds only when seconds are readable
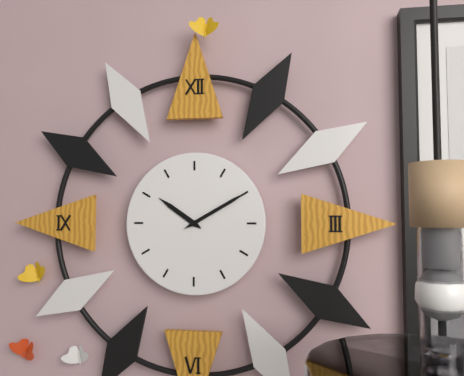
10:10
